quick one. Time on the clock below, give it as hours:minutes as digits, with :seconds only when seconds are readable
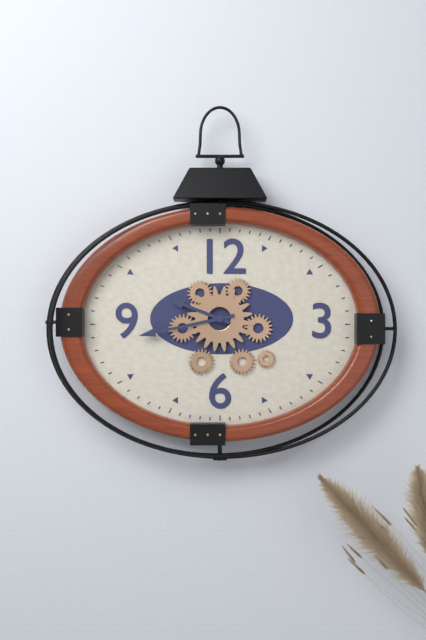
9:43
